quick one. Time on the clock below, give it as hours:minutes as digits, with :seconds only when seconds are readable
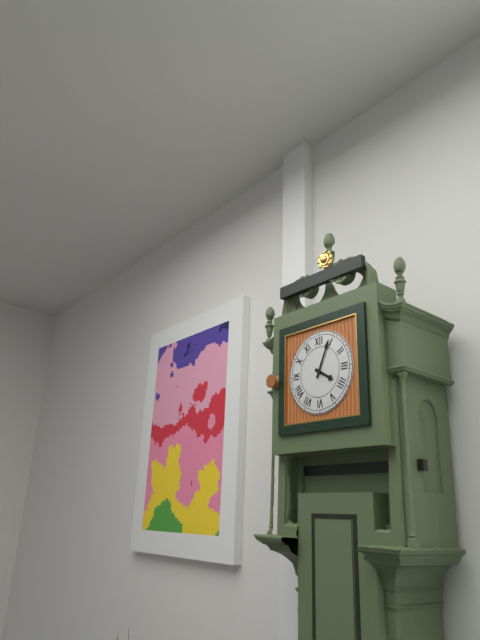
4:04
